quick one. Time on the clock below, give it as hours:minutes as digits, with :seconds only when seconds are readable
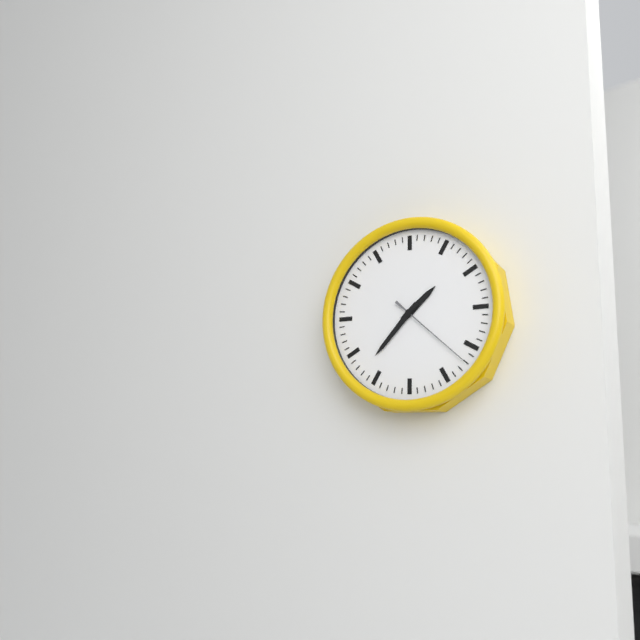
1:37:22
